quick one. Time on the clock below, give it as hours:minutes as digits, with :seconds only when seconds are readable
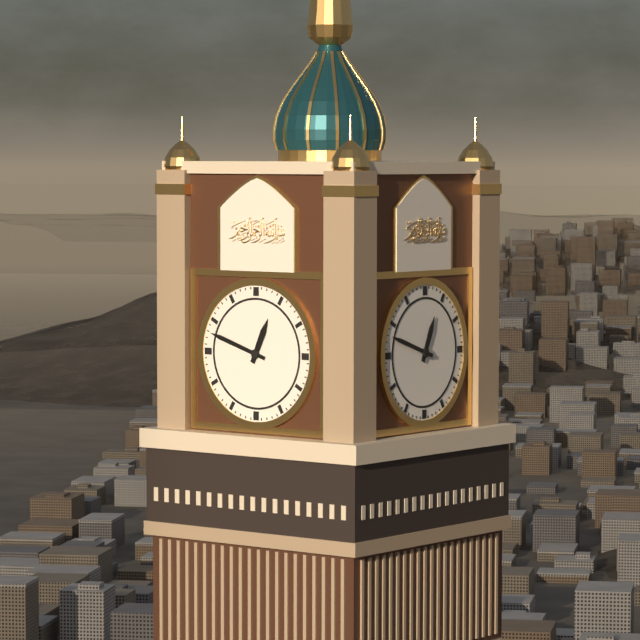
12:48
